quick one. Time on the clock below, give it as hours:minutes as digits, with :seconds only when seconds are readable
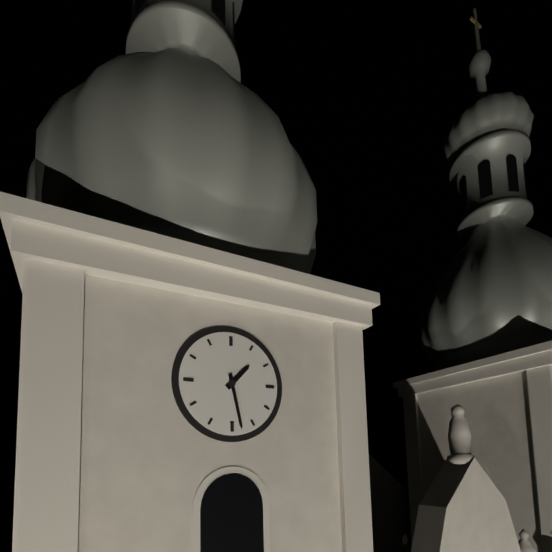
1:28
